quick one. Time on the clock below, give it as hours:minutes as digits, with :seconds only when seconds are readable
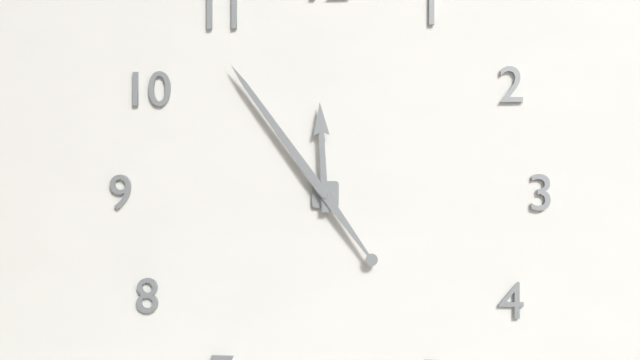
11:54
